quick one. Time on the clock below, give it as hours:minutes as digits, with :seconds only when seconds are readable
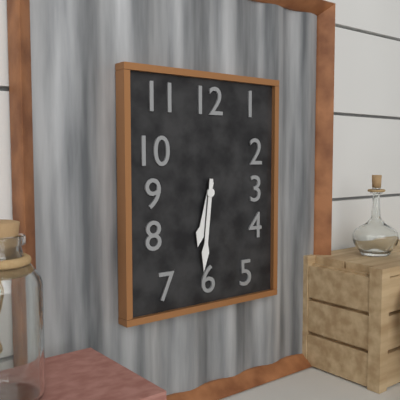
6:31
